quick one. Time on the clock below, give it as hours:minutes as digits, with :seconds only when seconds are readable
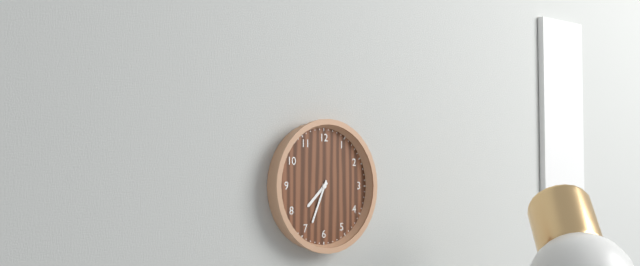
7:34
